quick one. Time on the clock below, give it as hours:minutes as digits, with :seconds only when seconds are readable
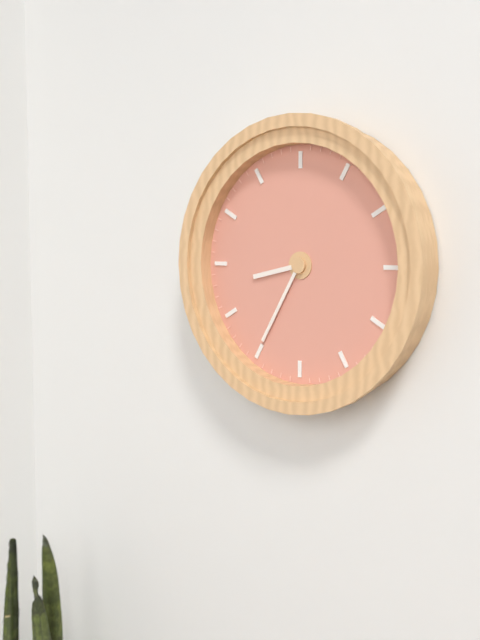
8:35
